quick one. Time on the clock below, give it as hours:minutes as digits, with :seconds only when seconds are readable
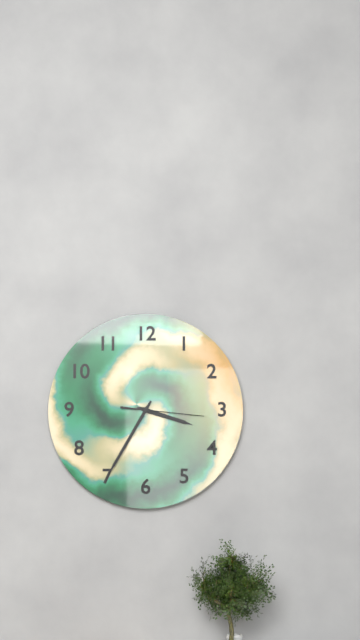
3:35:16
